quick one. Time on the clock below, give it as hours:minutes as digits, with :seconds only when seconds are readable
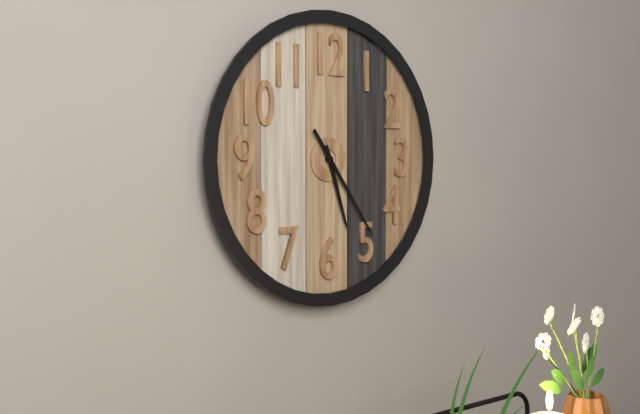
5:24
